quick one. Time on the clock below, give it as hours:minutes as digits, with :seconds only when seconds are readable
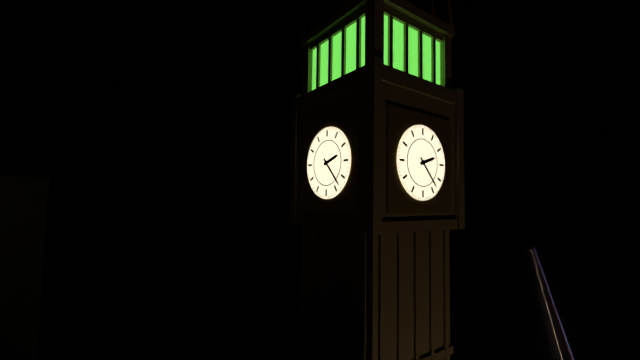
2:23
